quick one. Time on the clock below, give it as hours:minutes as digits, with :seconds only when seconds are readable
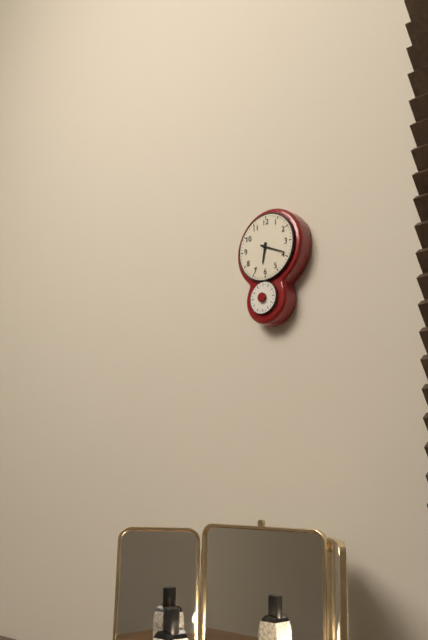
6:19
